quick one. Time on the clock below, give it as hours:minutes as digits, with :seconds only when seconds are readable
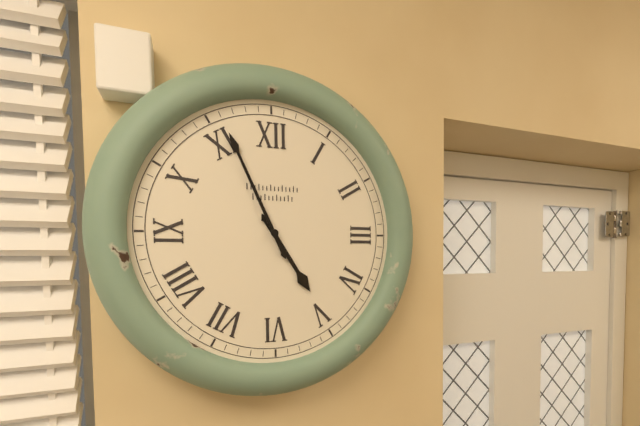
4:56
